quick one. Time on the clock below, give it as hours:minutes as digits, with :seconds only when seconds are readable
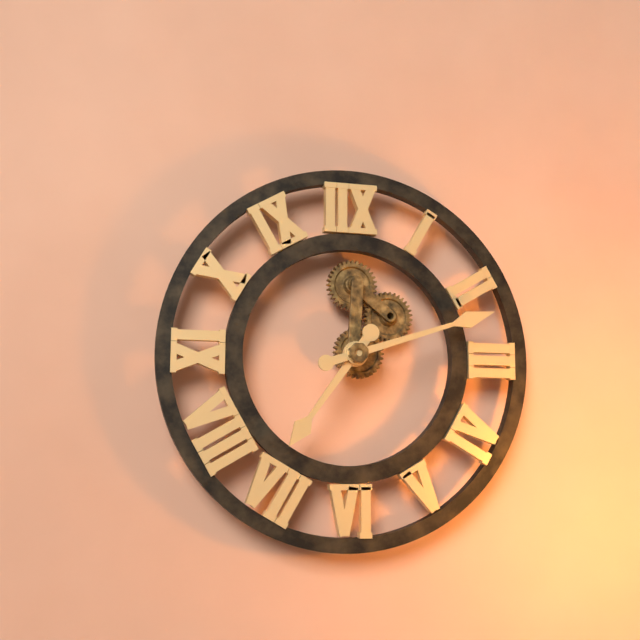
7:12
